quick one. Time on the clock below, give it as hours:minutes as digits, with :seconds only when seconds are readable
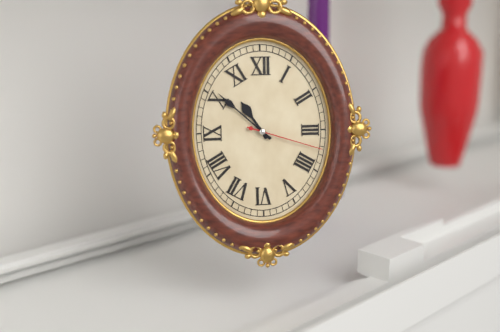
10:52:18
